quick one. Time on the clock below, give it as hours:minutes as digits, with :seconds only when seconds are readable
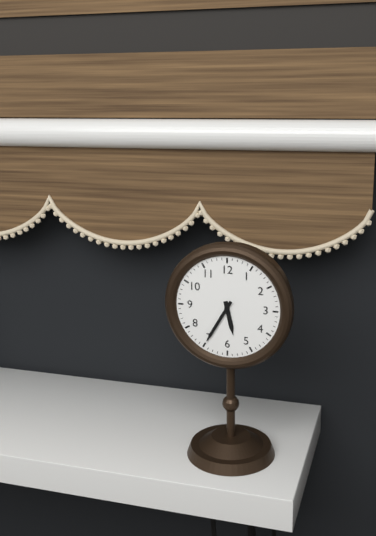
5:35
